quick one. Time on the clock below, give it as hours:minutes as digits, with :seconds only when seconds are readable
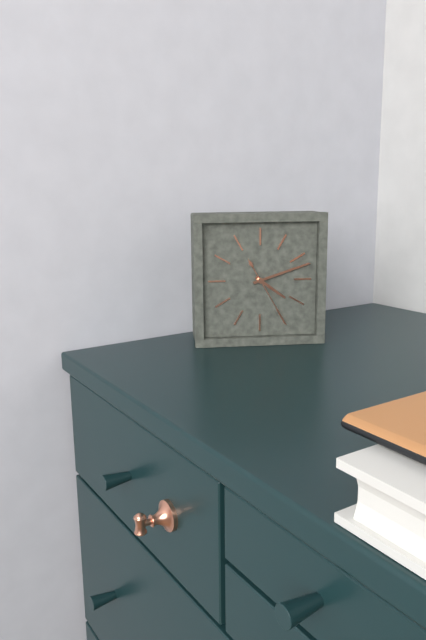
4:12:25
